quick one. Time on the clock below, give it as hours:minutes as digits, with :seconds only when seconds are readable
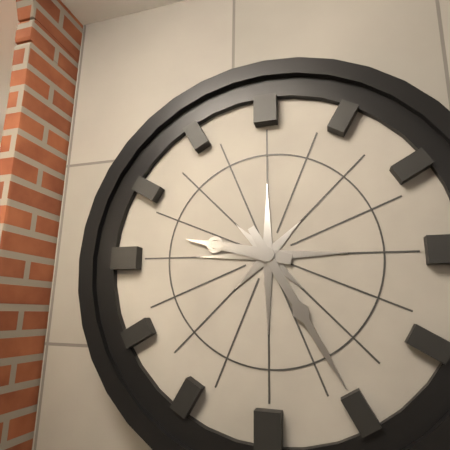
9:25
